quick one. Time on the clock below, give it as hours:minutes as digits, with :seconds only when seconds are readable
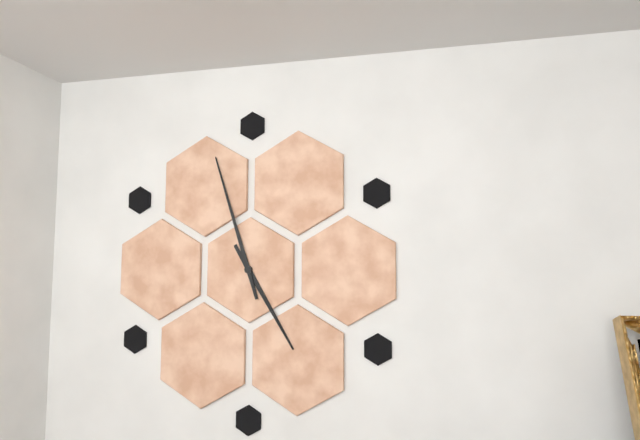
4:57
